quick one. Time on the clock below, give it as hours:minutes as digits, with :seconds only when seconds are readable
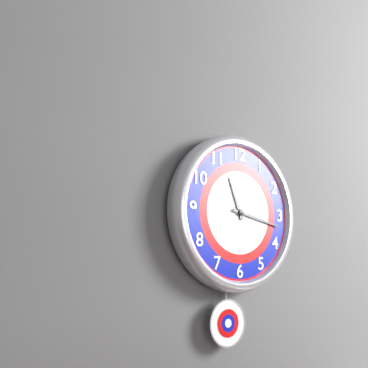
11:17
